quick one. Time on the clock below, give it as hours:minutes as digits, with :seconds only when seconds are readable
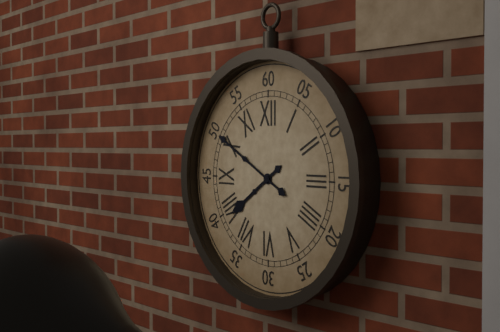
7:50
